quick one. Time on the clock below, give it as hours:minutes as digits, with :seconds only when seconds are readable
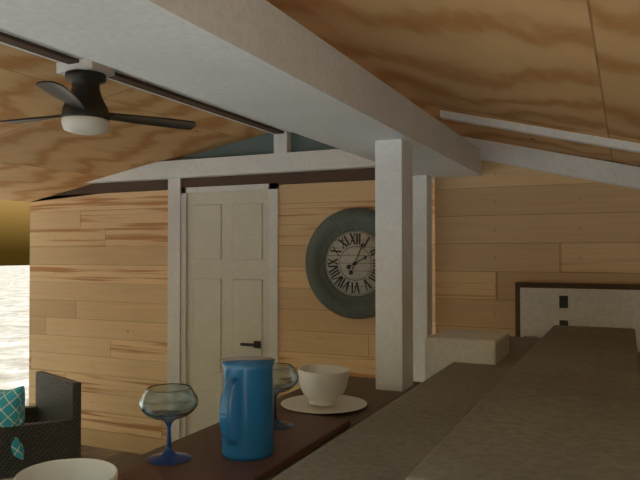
2:04
